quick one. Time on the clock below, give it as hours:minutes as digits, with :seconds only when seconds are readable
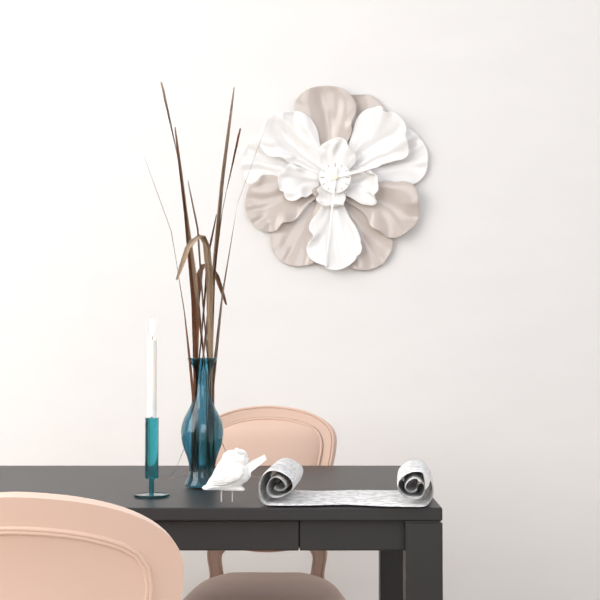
2:31
